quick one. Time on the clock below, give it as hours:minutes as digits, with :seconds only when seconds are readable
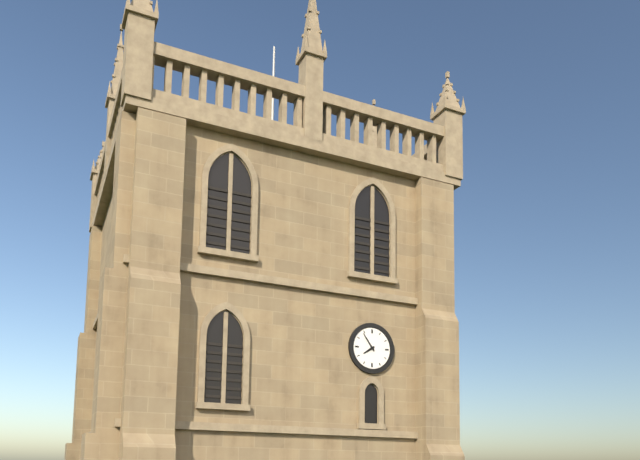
7:54
